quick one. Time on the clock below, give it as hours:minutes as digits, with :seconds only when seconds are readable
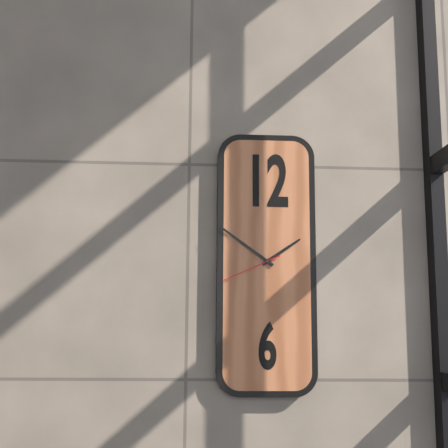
1:51:41
